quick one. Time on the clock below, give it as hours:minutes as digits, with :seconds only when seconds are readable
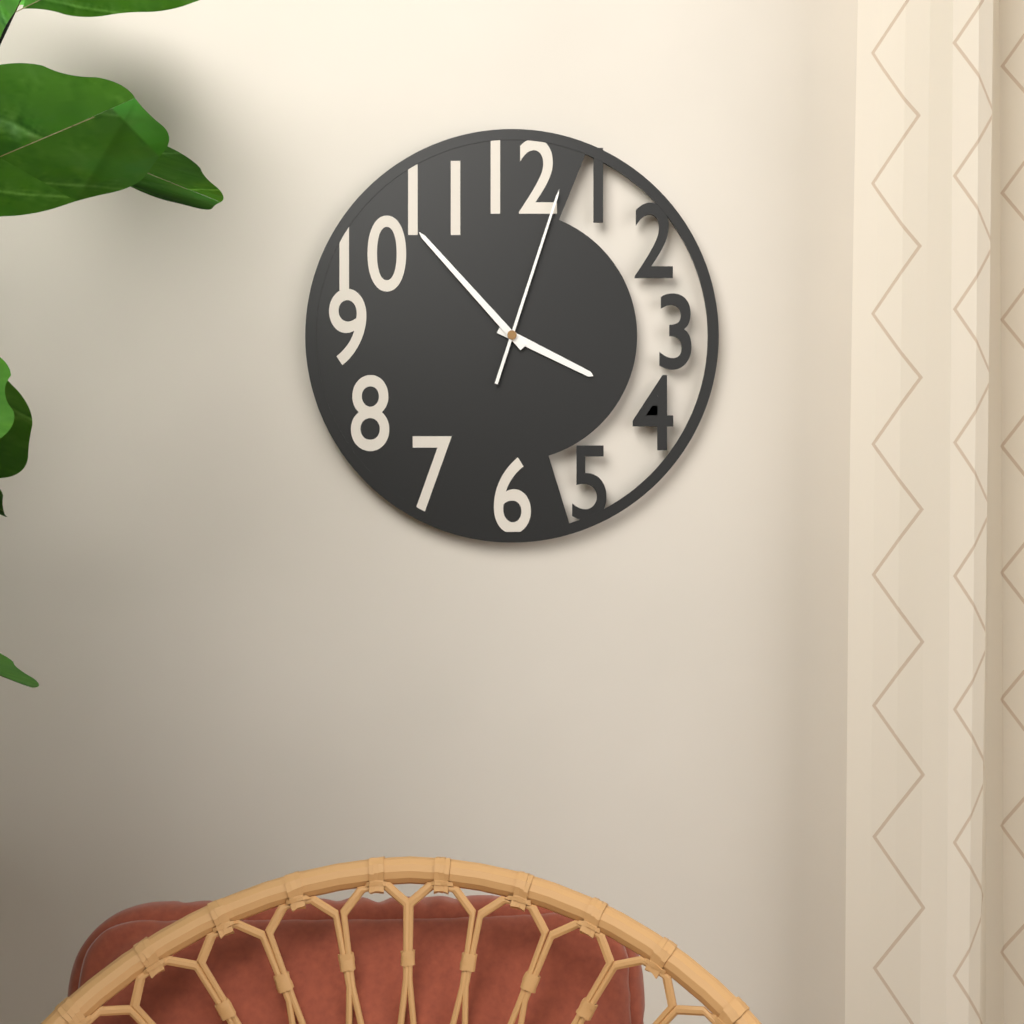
3:53:03
